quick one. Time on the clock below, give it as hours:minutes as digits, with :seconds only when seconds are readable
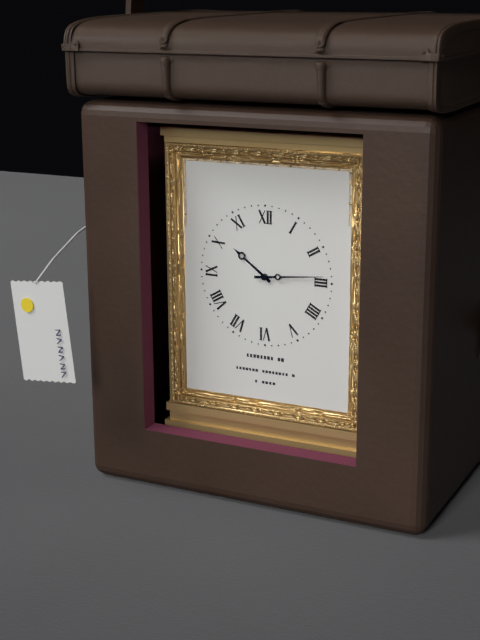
10:14
